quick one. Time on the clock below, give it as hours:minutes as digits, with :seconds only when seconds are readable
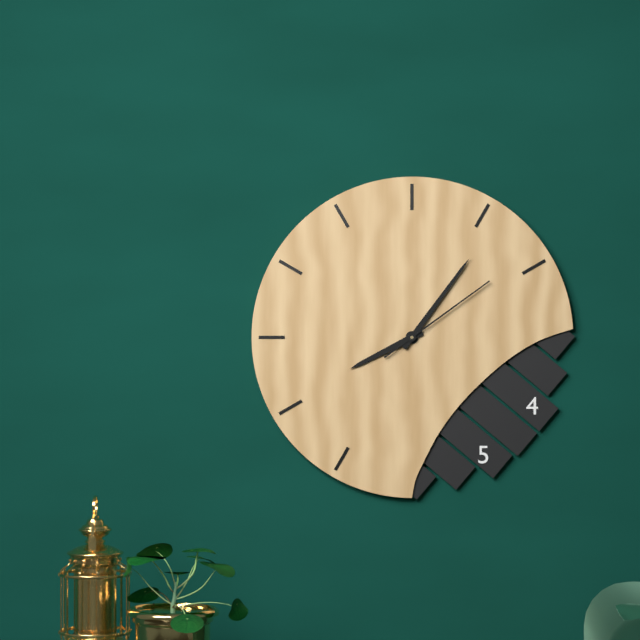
8:06:09
